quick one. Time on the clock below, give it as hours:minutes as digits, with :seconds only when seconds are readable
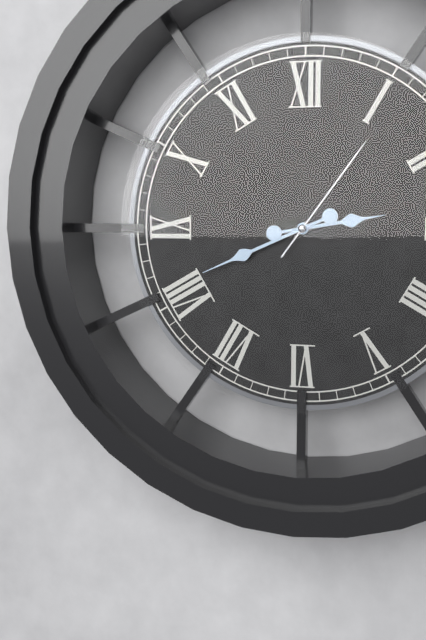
2:41:06
